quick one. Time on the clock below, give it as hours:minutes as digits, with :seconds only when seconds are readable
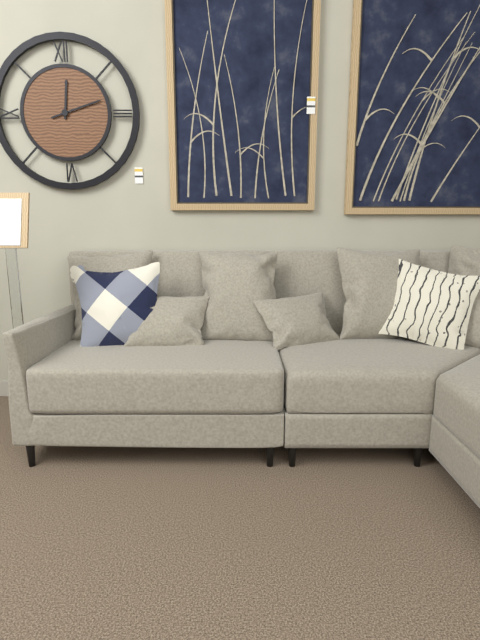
12:12
